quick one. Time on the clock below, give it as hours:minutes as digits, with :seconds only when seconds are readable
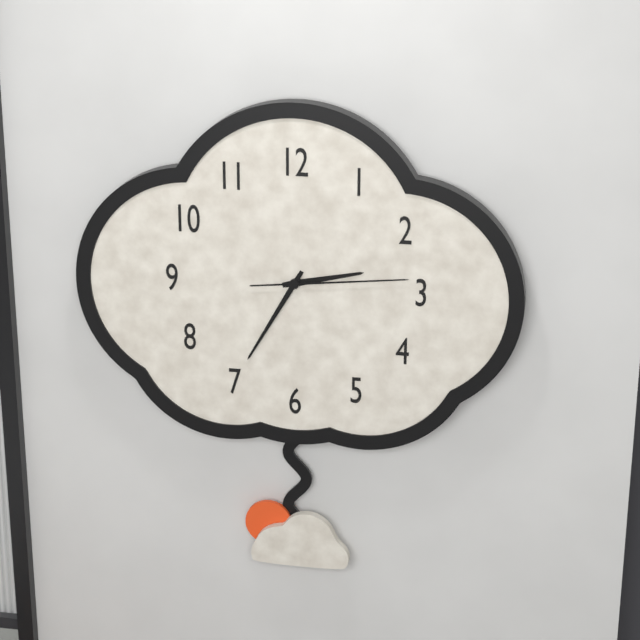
2:35:14
